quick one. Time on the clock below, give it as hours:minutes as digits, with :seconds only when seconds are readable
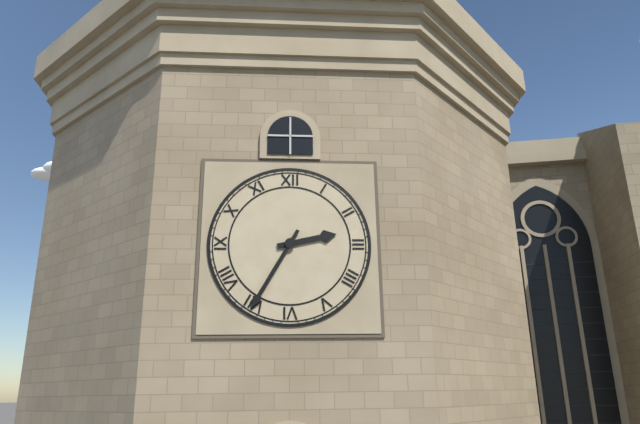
2:35
